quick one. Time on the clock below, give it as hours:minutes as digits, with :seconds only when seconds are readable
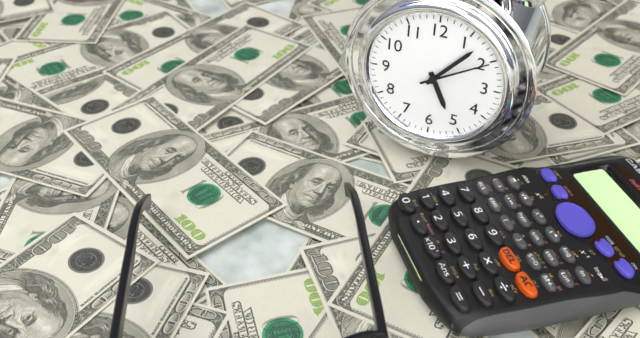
5:07:10
